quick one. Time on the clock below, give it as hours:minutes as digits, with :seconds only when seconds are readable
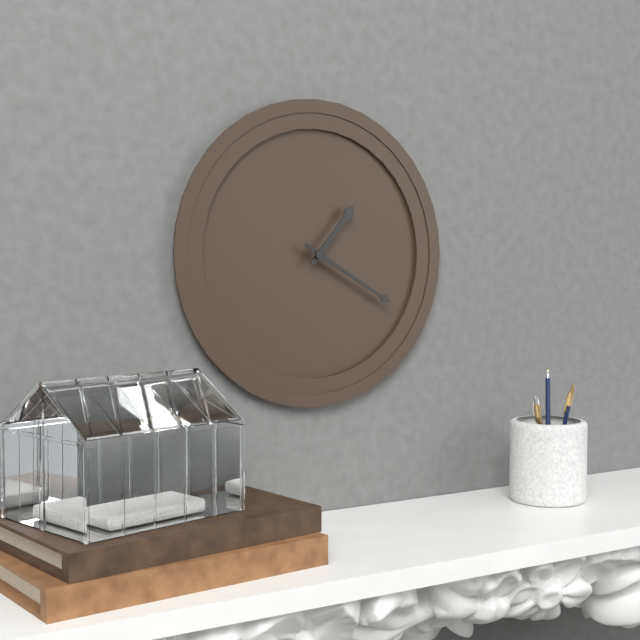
1:20
